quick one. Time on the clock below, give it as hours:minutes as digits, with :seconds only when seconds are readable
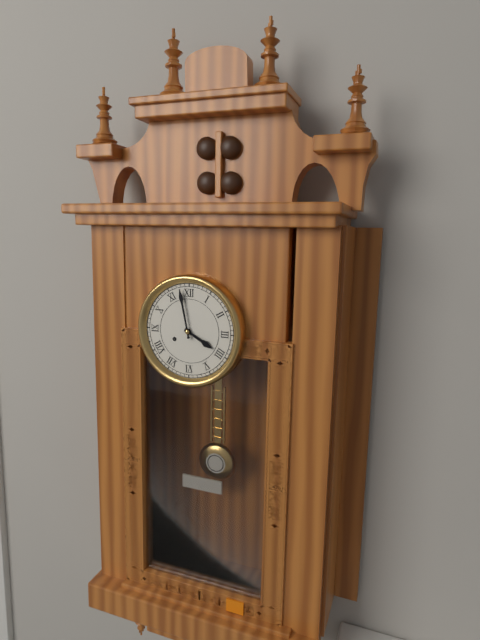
3:58
